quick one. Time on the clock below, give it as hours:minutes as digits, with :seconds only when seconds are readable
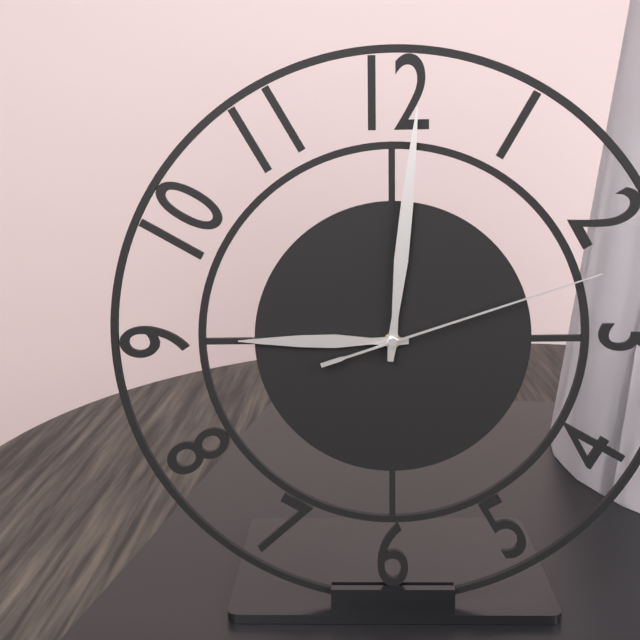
9:01:12
